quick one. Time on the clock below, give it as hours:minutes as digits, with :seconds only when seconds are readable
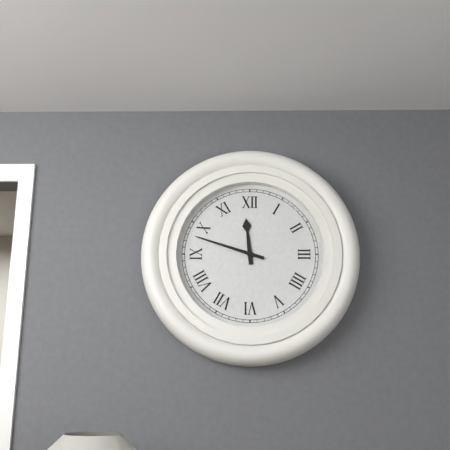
11:48
